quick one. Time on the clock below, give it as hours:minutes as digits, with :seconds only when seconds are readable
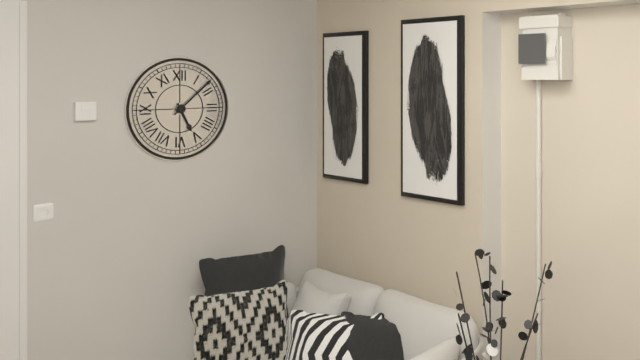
5:08
